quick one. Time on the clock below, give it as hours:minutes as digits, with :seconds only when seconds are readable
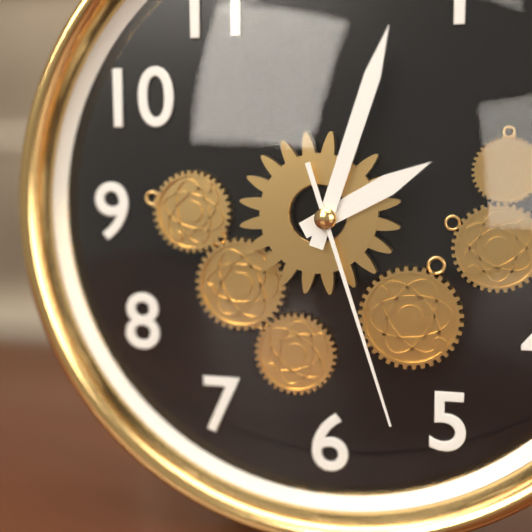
2:03:27
